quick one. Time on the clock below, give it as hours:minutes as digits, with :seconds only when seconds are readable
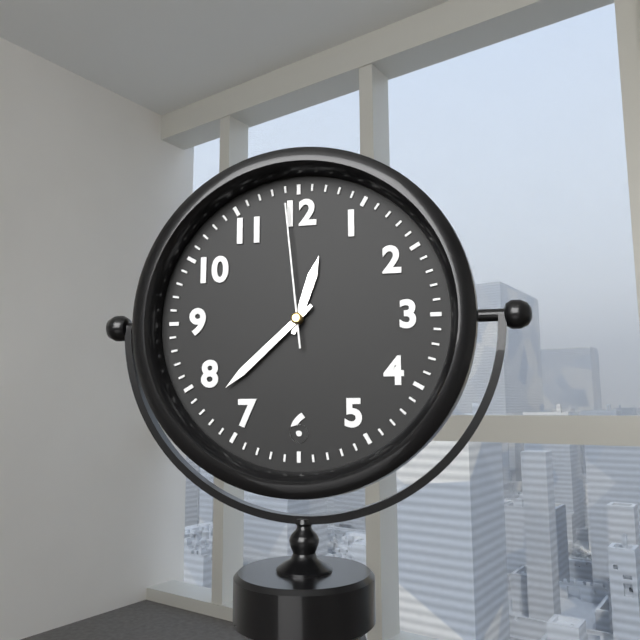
12:38:59
